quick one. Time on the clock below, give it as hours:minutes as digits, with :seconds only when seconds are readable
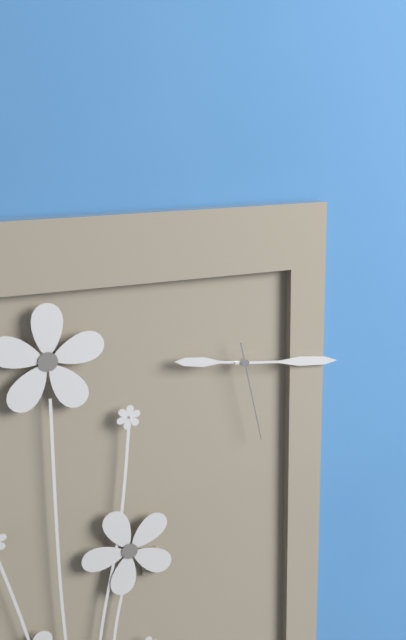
9:16:28
